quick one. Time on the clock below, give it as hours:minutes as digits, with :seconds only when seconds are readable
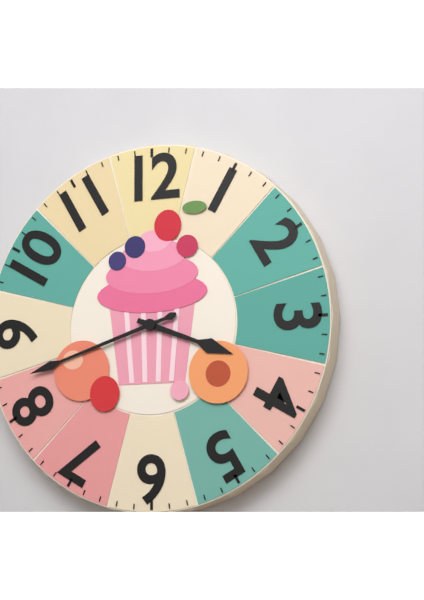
3:42
